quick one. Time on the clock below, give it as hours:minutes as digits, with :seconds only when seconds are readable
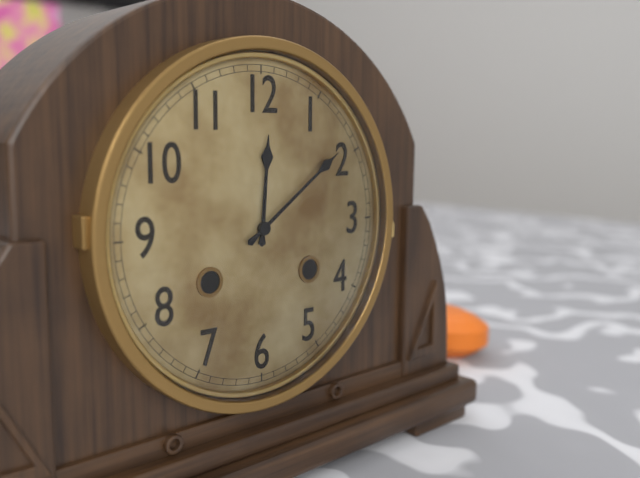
12:09
